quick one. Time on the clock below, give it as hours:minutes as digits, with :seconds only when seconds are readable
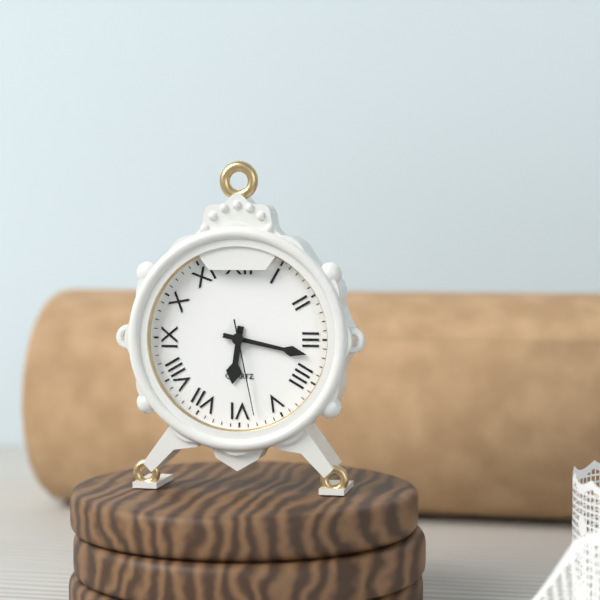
6:17:28
